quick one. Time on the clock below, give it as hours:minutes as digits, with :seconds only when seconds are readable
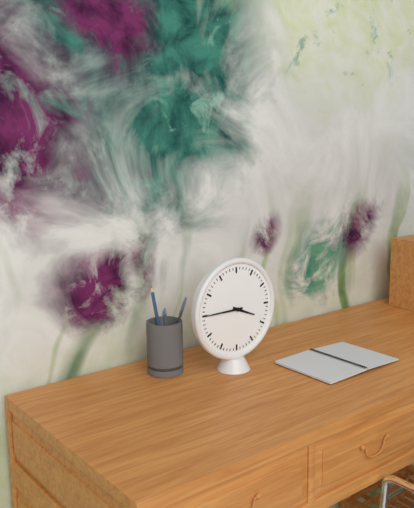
3:45
